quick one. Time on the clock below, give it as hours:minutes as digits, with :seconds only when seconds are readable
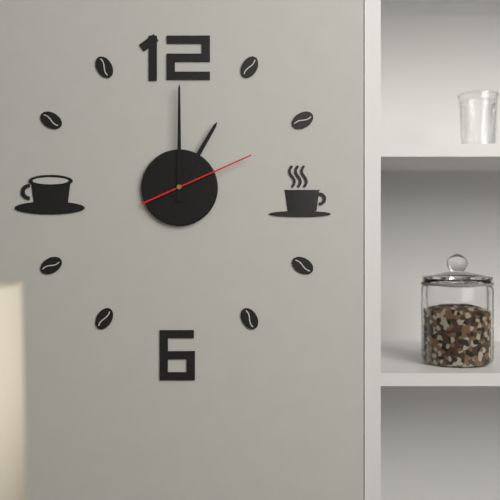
1:00:11
